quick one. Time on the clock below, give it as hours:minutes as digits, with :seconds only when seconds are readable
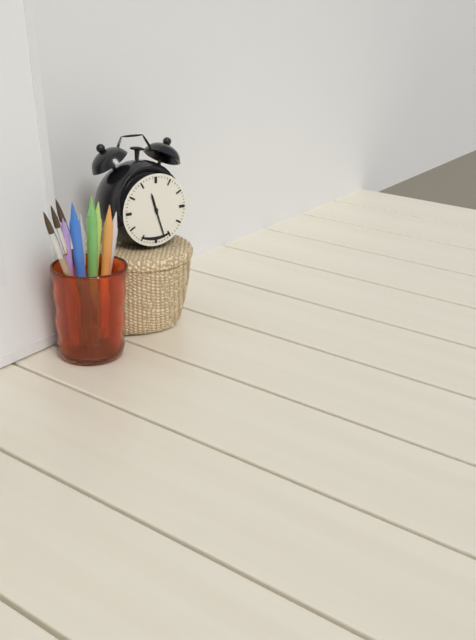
11:27
